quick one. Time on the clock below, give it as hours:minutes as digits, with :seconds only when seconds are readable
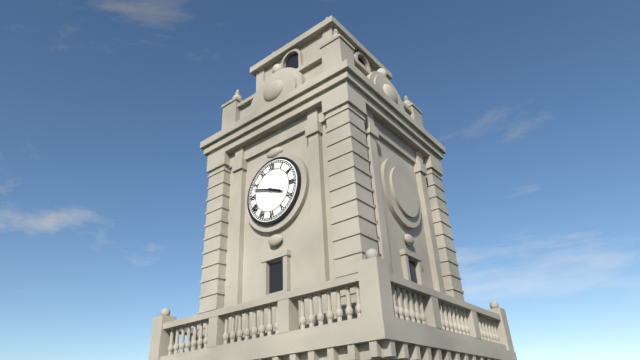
3:48
